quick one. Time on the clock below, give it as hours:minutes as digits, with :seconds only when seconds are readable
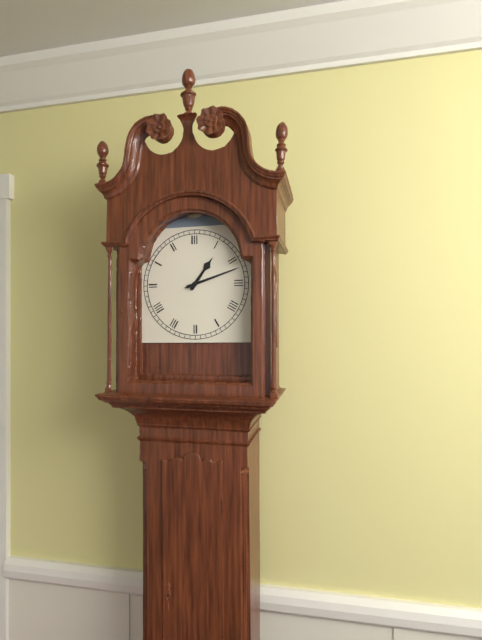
1:12
